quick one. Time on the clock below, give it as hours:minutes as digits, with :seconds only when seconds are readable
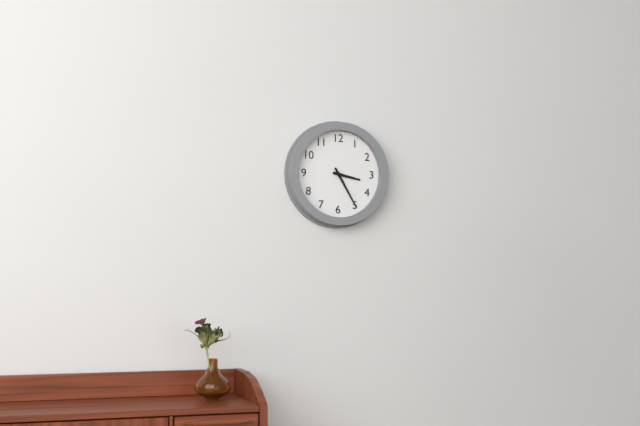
3:25
